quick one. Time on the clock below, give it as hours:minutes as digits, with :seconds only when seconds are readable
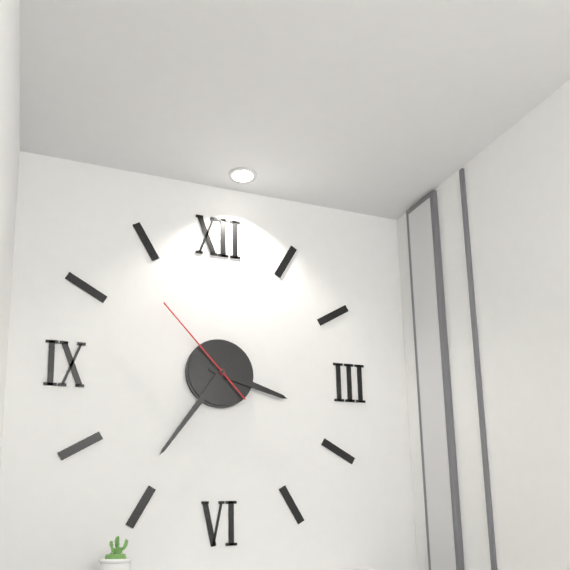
3:36:53
